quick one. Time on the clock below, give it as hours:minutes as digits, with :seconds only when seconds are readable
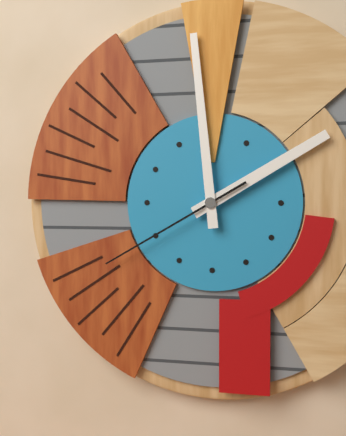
1:59:40
